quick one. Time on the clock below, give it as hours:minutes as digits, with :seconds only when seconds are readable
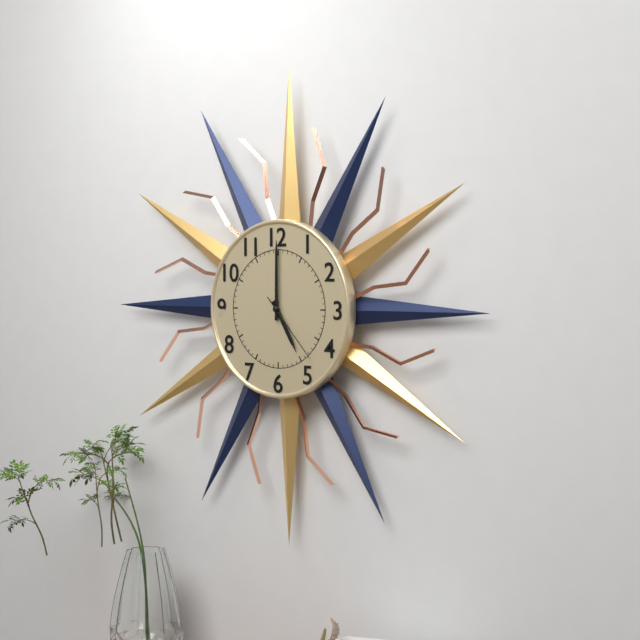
5:00:23
